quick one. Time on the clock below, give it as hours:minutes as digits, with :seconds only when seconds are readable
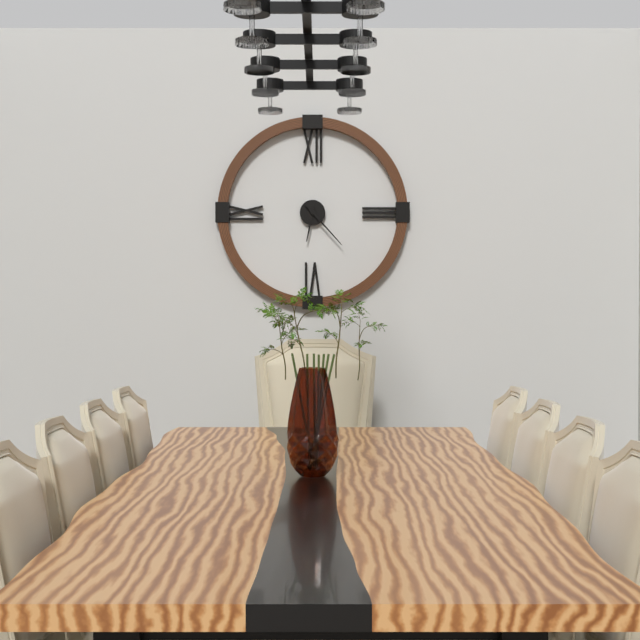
6:23
